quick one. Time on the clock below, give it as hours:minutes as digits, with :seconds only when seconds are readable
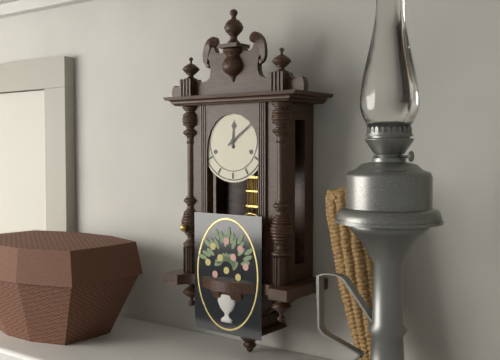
12:09
